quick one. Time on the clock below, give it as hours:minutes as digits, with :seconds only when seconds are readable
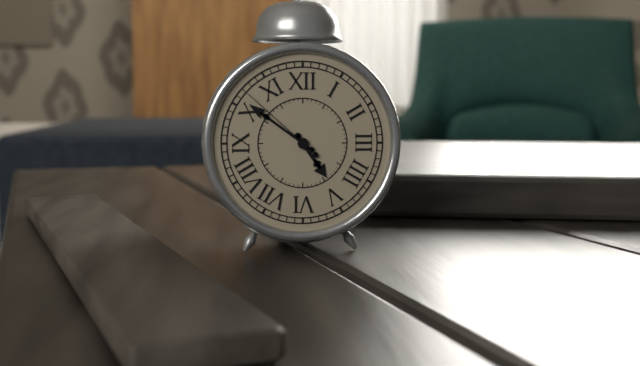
4:51:52
